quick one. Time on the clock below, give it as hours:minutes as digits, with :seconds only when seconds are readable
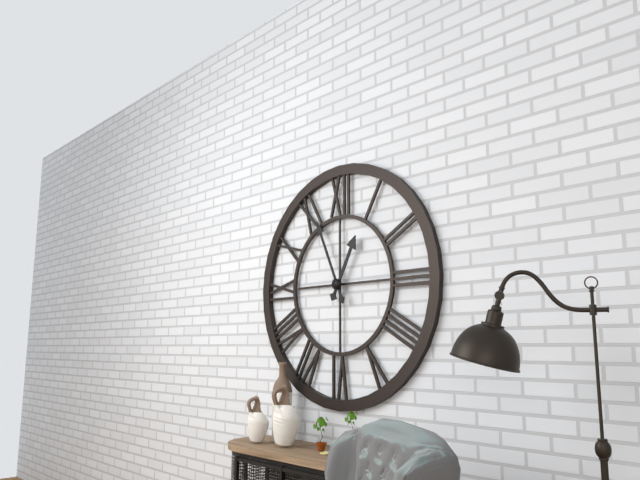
12:56
